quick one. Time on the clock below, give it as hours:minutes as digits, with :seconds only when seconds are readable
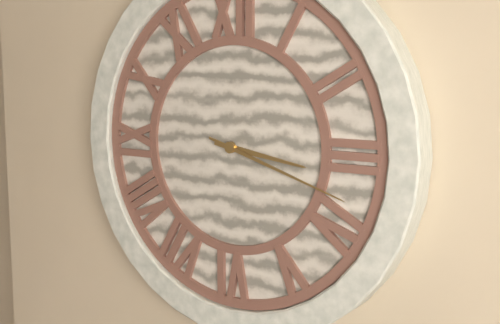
3:18
